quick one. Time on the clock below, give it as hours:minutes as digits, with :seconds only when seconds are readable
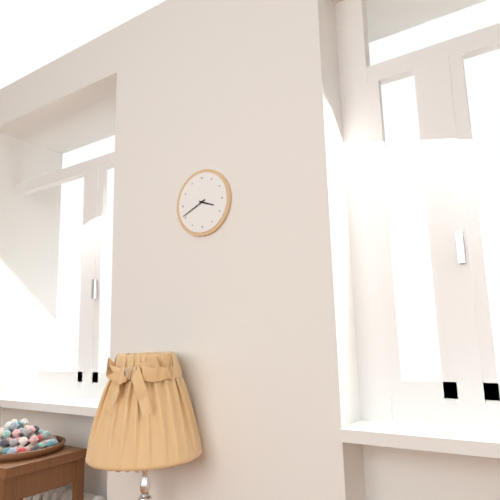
3:41
